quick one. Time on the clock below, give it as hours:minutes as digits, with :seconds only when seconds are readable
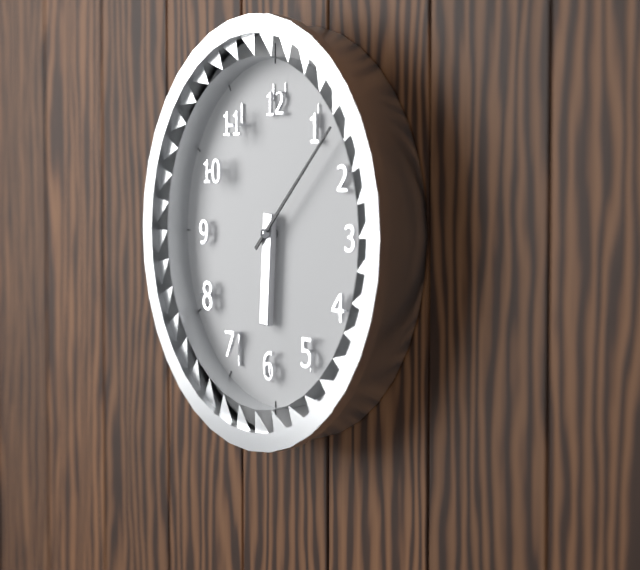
6:08
